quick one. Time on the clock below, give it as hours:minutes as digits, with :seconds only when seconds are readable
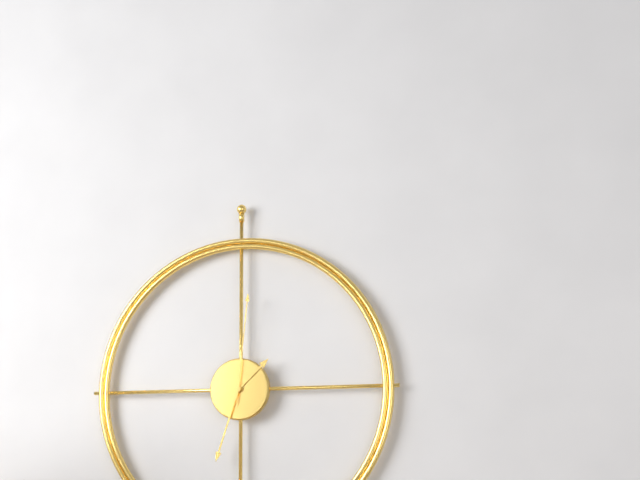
1:33:01
